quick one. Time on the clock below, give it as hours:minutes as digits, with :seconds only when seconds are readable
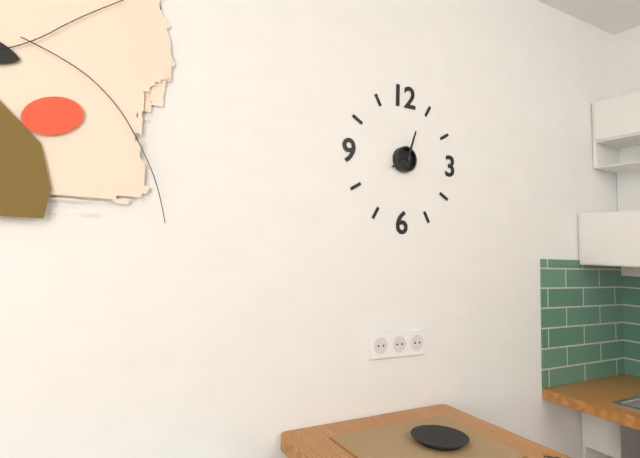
8:03
